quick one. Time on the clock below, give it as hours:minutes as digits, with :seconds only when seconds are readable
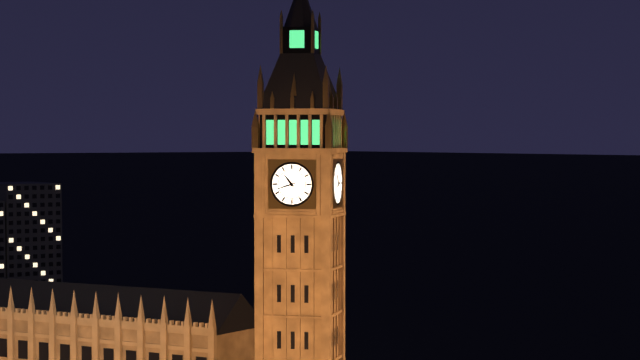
10:42
